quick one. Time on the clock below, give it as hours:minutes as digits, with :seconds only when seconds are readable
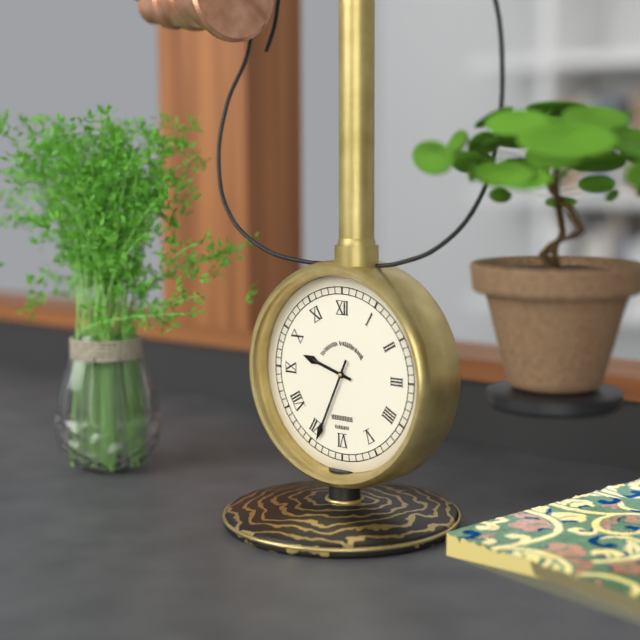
9:34
